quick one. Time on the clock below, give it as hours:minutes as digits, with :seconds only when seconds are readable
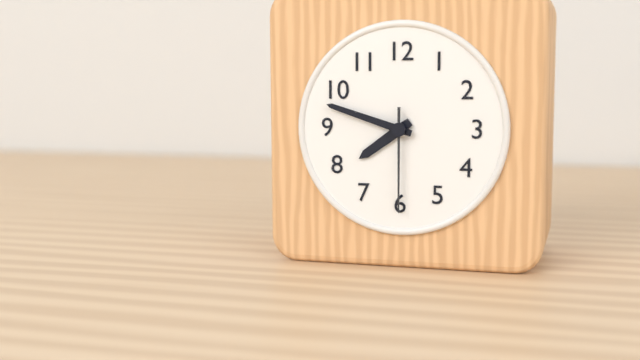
7:48:30
